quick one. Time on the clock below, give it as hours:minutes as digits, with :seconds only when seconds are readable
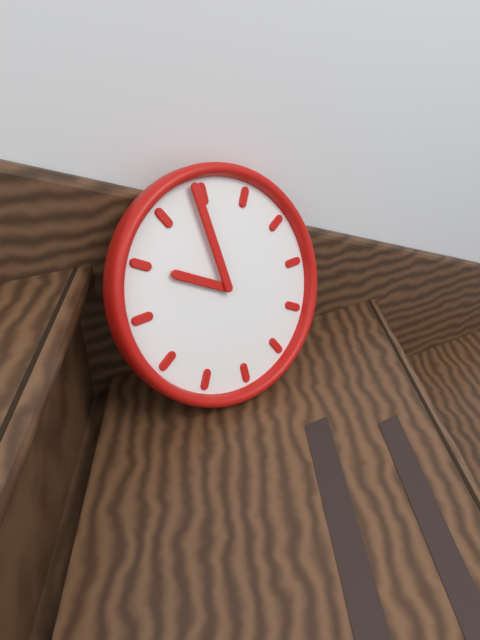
9:59
